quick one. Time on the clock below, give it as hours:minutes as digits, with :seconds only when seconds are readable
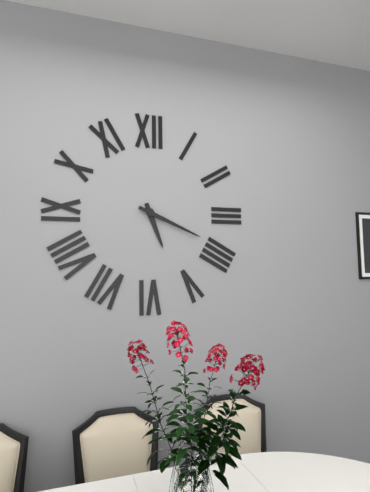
5:19
